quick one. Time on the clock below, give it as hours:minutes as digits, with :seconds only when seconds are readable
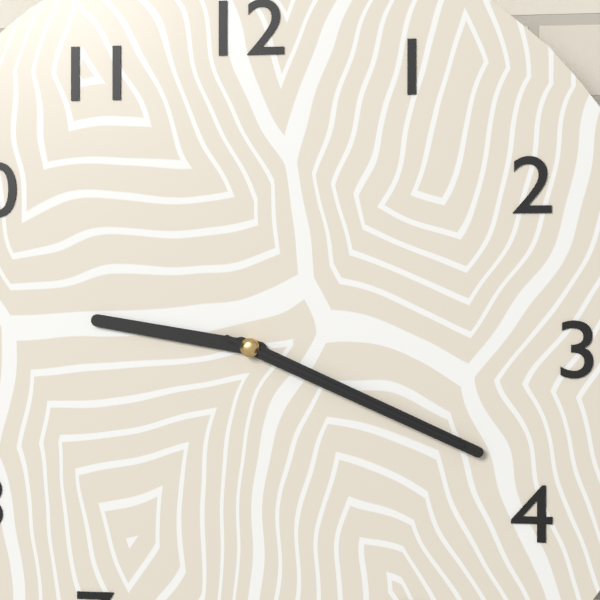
9:19:19
